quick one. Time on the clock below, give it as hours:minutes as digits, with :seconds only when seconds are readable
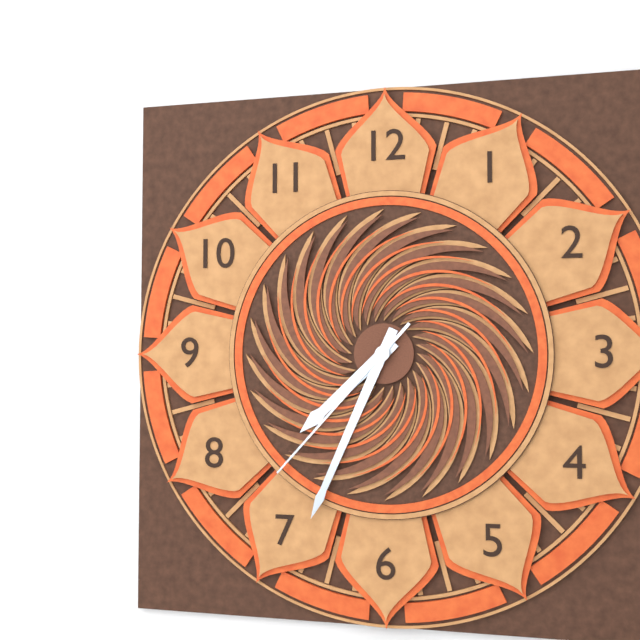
7:34:37
